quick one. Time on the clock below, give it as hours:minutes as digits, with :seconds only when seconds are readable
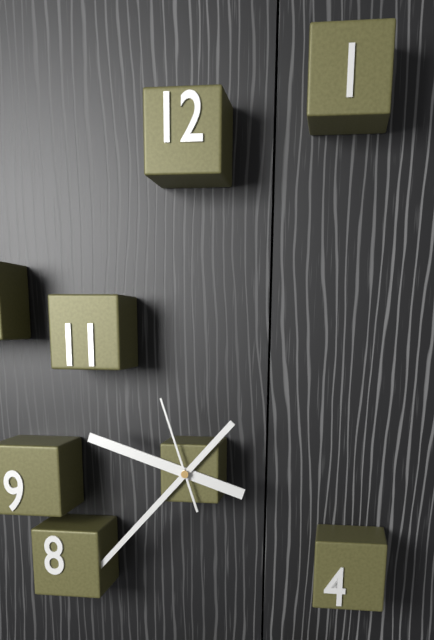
9:37:57
